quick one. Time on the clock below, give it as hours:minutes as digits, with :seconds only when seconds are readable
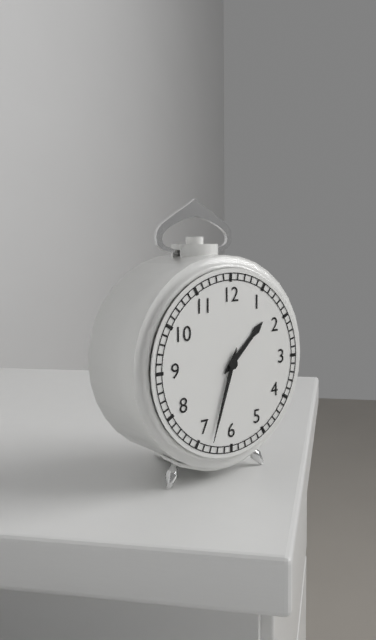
1:33
